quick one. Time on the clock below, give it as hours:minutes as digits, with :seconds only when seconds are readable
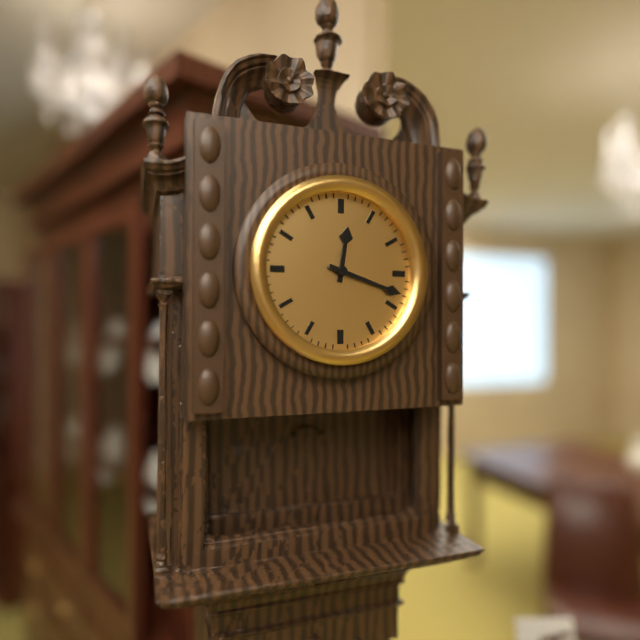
12:18
